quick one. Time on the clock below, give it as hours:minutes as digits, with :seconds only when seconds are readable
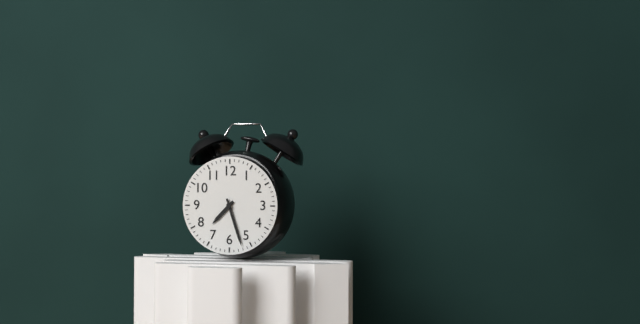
7:27
